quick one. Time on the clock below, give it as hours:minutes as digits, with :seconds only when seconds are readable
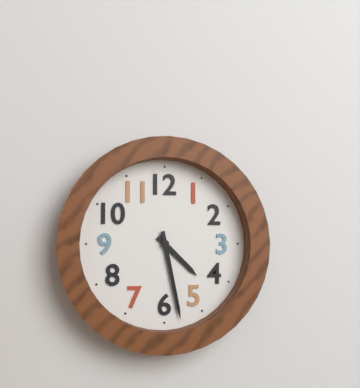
4:28
